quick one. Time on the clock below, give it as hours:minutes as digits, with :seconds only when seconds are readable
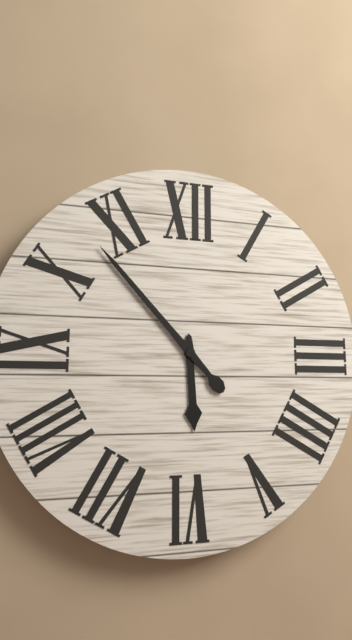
5:53
